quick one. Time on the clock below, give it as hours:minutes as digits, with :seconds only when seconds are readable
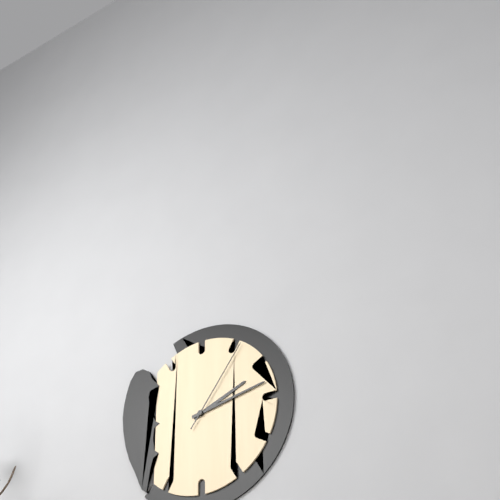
2:13:06
